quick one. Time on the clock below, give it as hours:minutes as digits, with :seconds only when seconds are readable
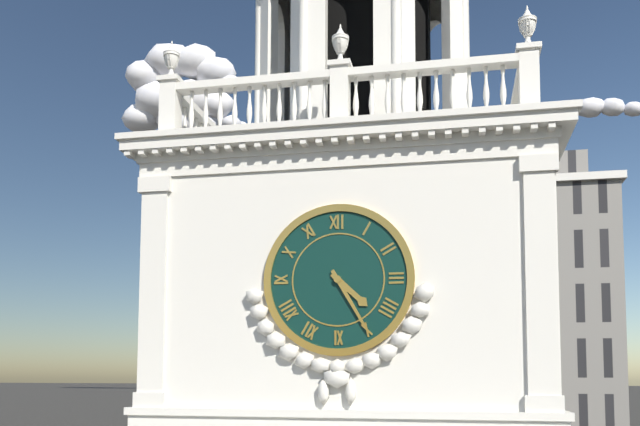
4:25
